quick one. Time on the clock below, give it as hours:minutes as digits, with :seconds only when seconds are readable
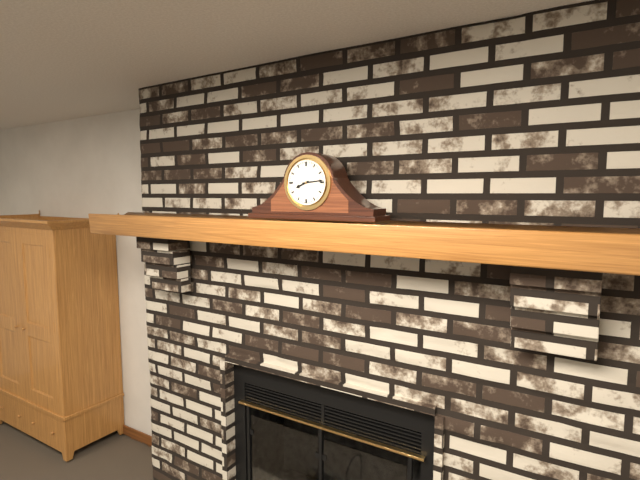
8:14
